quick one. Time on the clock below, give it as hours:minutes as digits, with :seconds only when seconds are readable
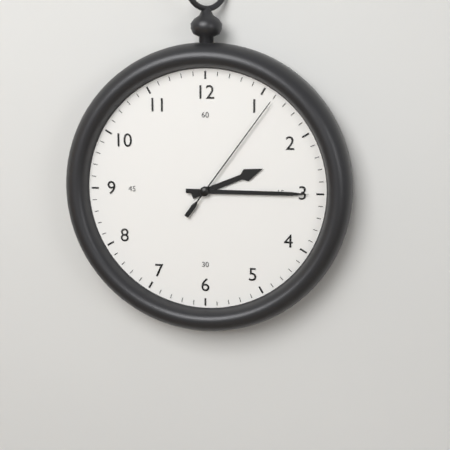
2:15:06
